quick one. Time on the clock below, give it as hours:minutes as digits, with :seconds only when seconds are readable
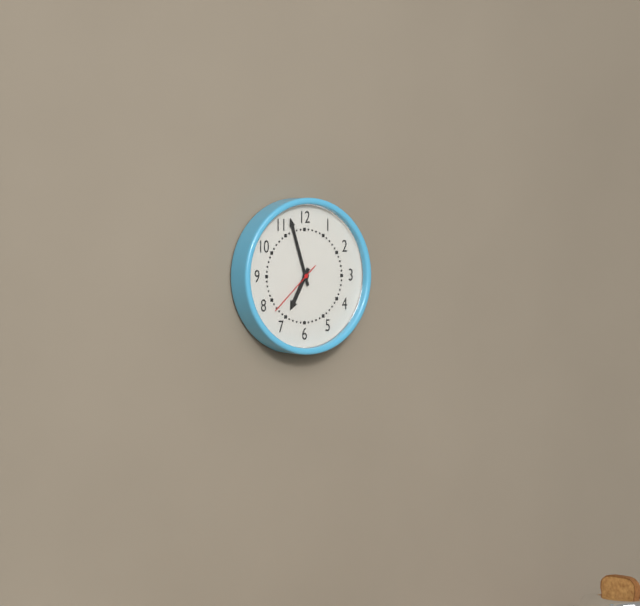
6:57:38
